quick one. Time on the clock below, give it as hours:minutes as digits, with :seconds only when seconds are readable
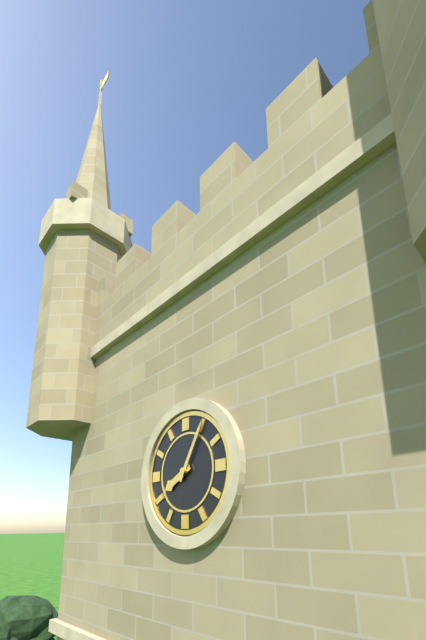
8:05
